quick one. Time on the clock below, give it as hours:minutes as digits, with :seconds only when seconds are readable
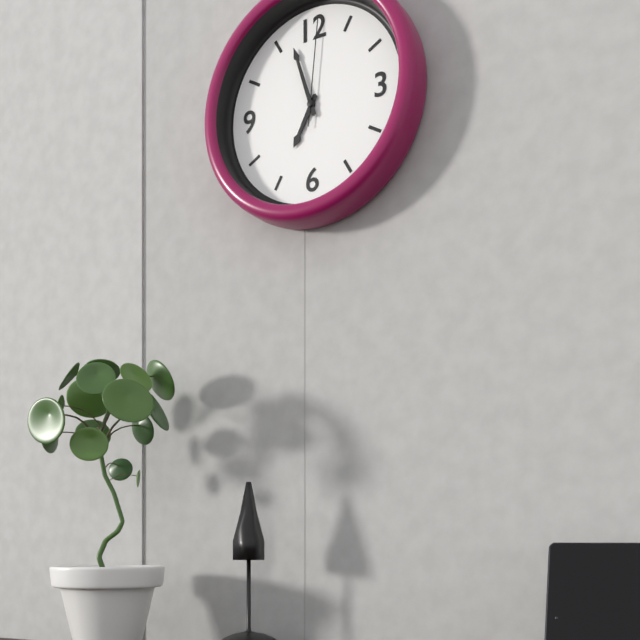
6:57:01
